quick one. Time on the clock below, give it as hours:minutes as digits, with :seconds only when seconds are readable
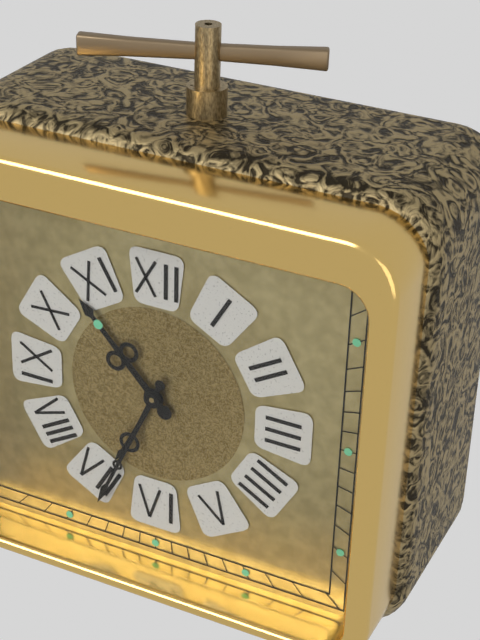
10:34
